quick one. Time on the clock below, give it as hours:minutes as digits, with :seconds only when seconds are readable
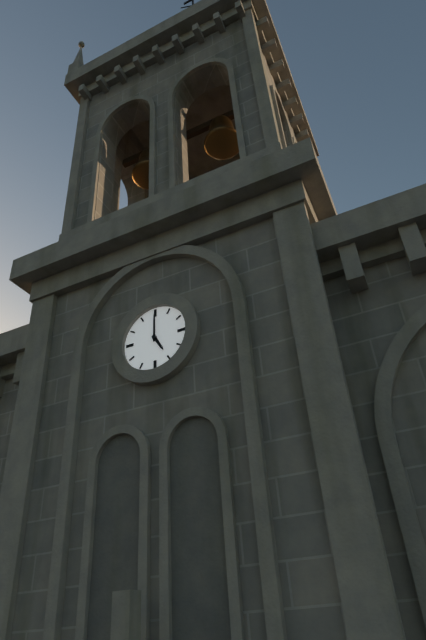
5:00
